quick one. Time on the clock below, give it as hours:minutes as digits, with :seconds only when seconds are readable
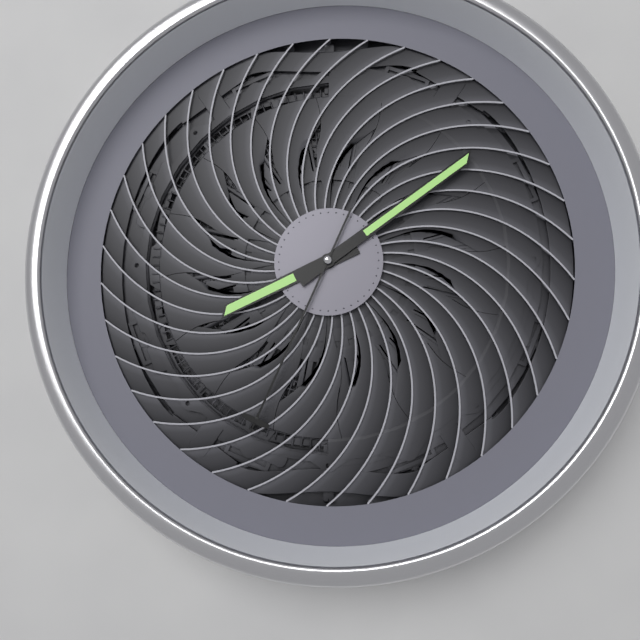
8:09:34
